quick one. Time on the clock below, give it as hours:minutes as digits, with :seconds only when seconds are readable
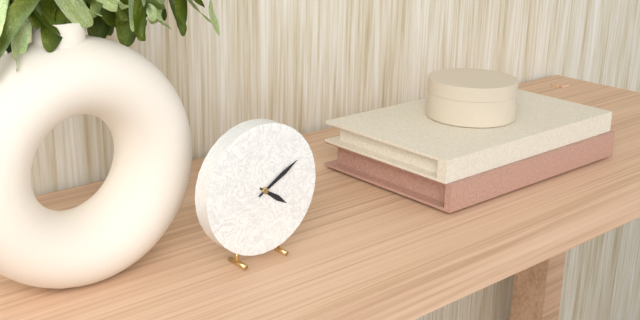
4:10
